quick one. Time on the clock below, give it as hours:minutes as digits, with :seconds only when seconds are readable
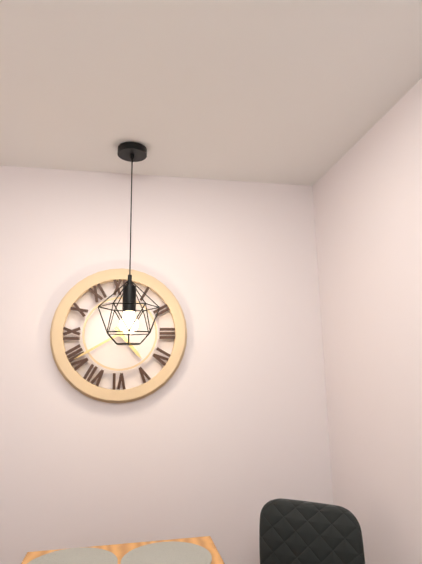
4:40
